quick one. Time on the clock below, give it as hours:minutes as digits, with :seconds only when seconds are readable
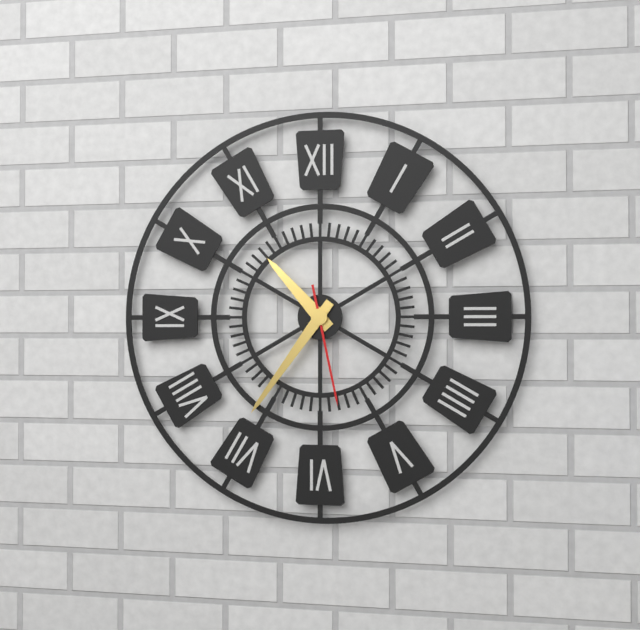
10:36:28
